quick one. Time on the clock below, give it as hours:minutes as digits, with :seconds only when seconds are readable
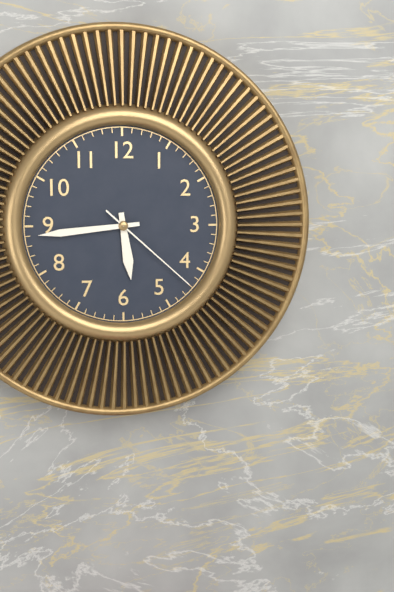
5:44:22
